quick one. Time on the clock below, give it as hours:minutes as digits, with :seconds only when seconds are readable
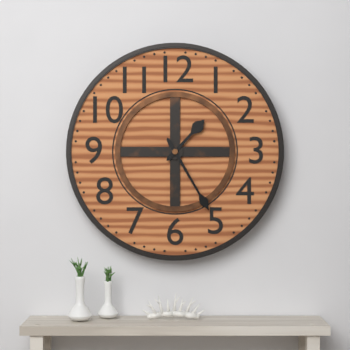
1:25
